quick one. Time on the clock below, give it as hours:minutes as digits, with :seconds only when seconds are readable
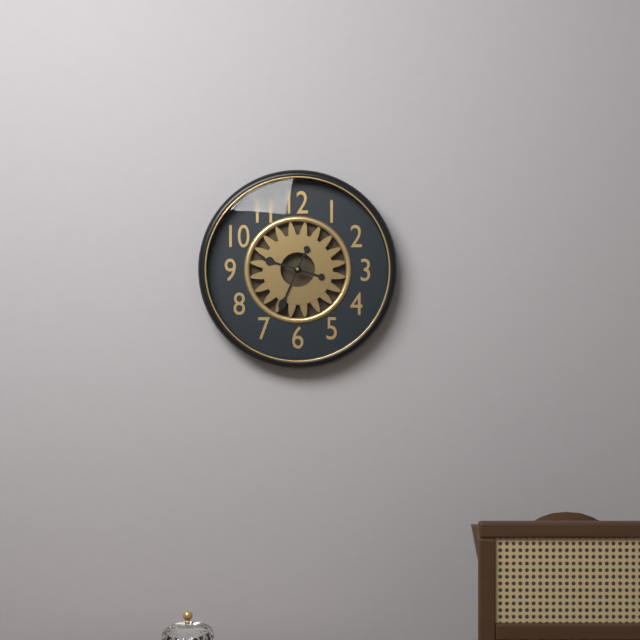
9:34
